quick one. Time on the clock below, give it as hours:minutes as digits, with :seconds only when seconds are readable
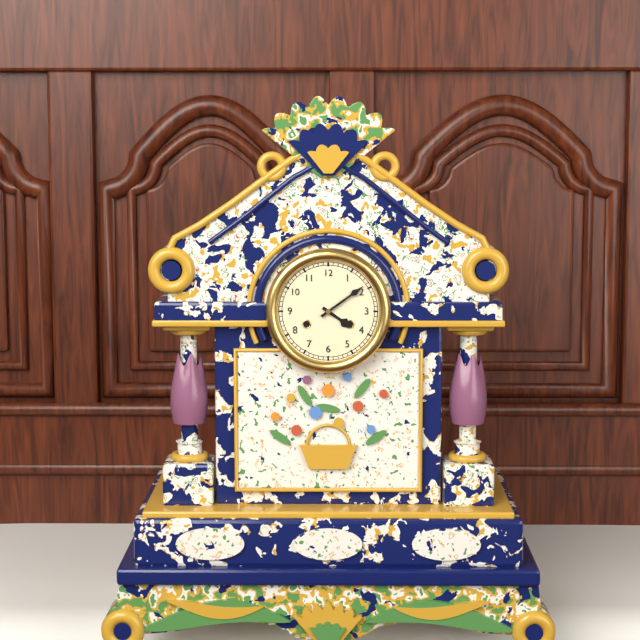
4:09
